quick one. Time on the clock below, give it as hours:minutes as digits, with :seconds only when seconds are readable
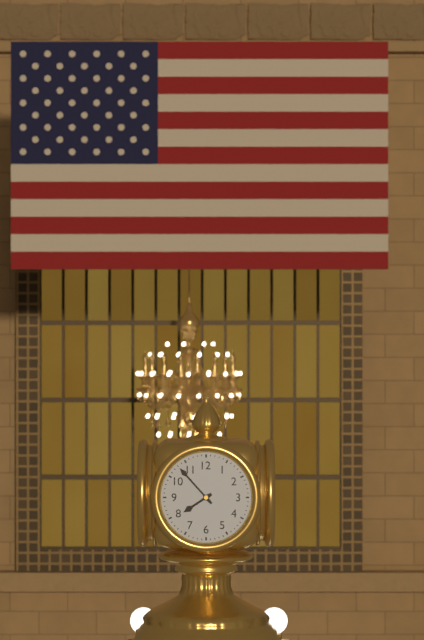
7:53
